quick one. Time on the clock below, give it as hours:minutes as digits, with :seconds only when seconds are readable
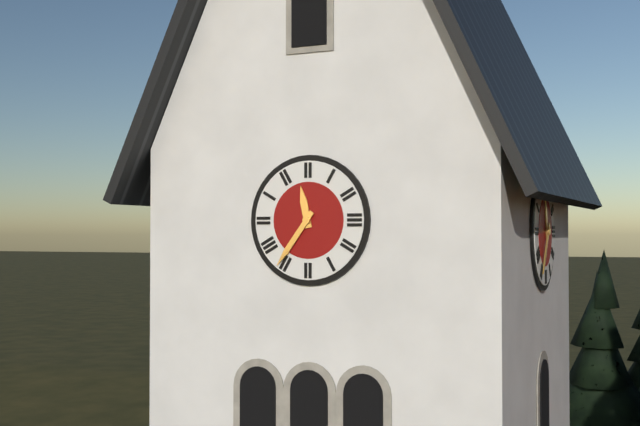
11:36
